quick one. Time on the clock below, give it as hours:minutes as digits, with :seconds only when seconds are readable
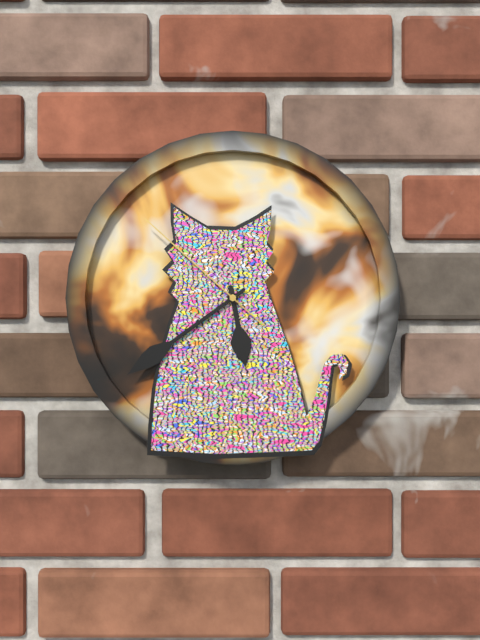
5:39:52
